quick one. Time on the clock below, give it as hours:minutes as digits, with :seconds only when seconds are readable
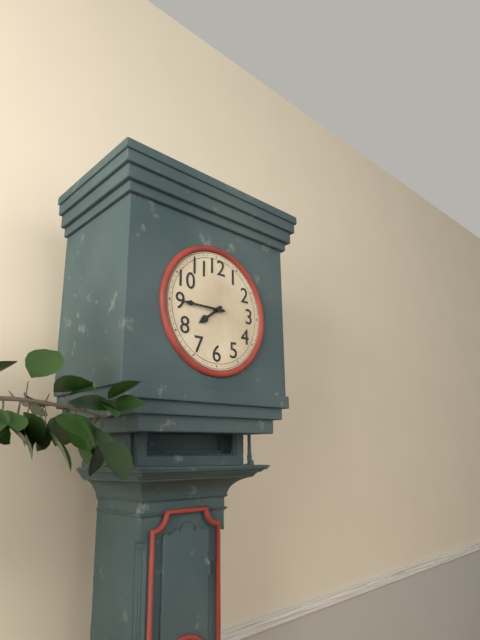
7:45
